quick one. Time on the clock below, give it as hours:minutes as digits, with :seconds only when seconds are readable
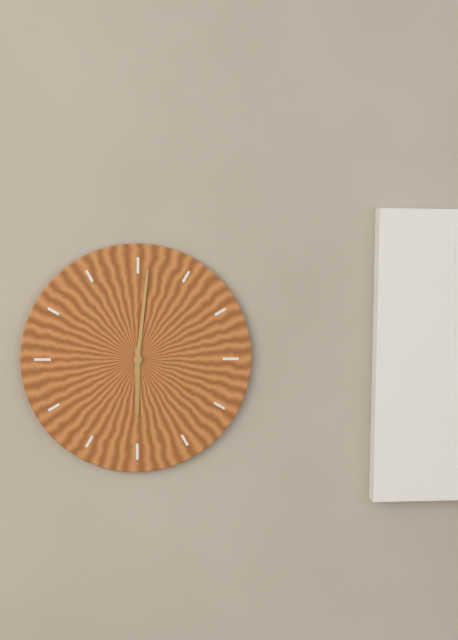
6:01
